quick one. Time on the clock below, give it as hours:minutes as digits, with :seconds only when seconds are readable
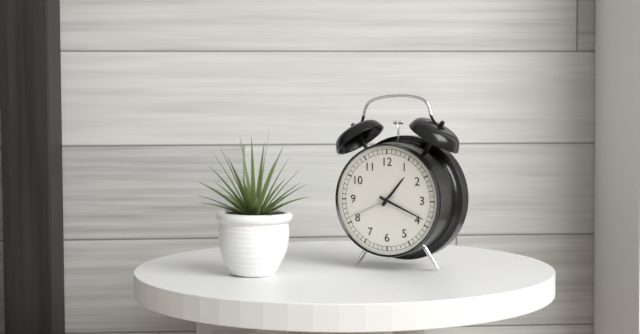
1:19:41
